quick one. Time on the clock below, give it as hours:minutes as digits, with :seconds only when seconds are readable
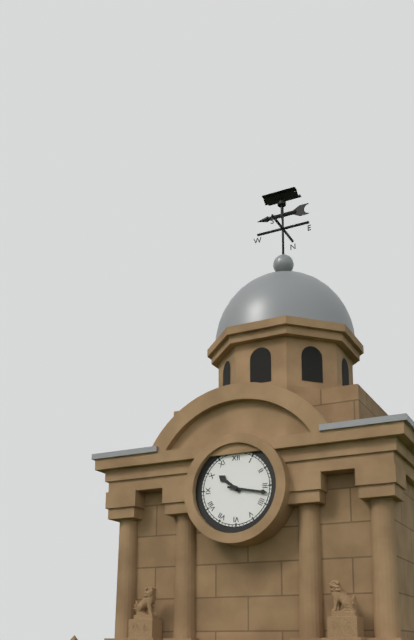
10:17
